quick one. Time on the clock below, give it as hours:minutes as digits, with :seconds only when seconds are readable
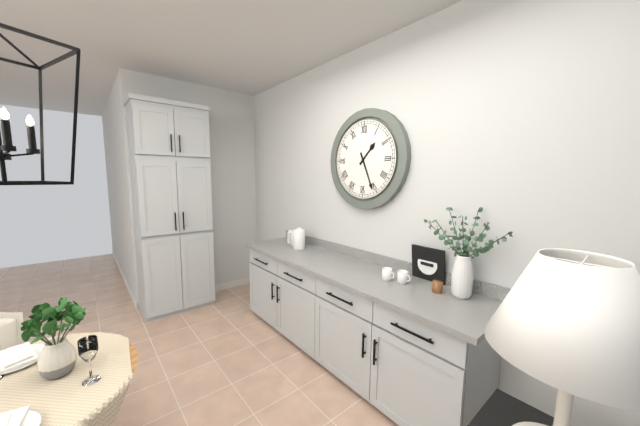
1:26
